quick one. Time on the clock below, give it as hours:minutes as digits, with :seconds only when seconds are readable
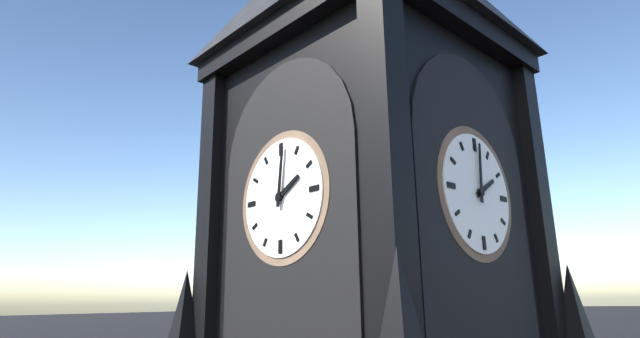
2:01
